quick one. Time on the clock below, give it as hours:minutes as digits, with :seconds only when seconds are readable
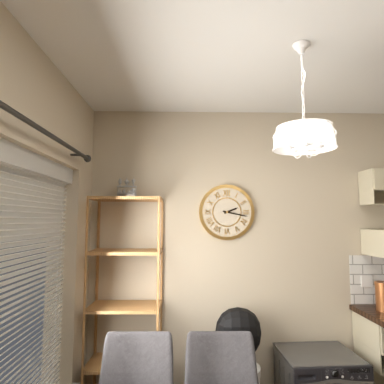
2:17
